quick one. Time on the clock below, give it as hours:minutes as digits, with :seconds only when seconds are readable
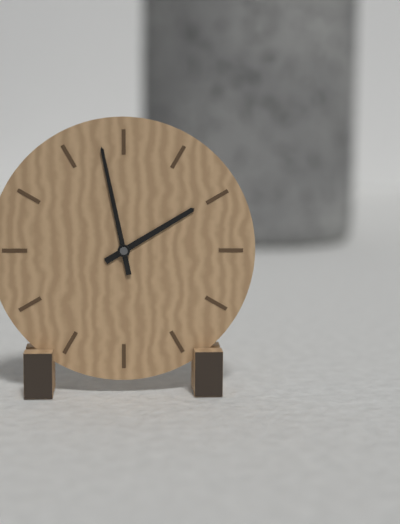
1:58
